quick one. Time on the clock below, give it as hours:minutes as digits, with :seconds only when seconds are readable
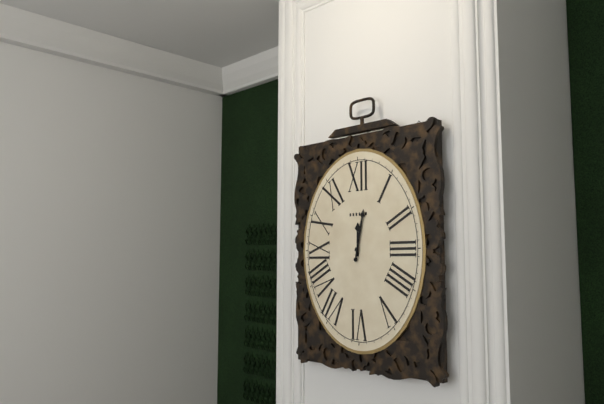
12:02
